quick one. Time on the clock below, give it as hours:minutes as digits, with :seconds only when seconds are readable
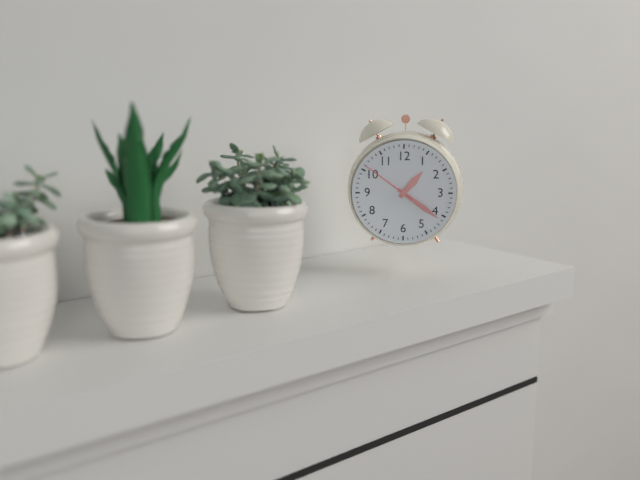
1:21:51
